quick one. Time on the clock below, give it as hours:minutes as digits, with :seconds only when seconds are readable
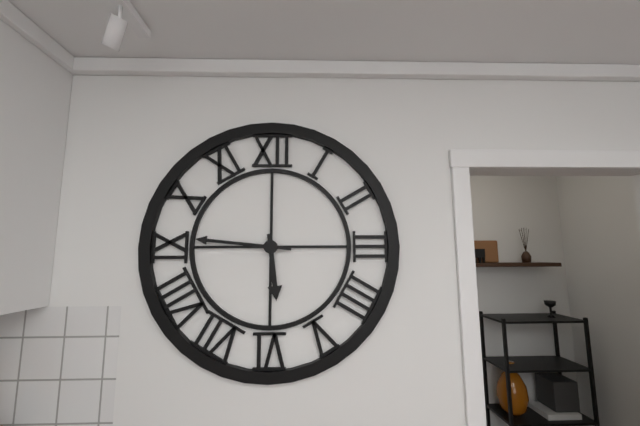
5:46
